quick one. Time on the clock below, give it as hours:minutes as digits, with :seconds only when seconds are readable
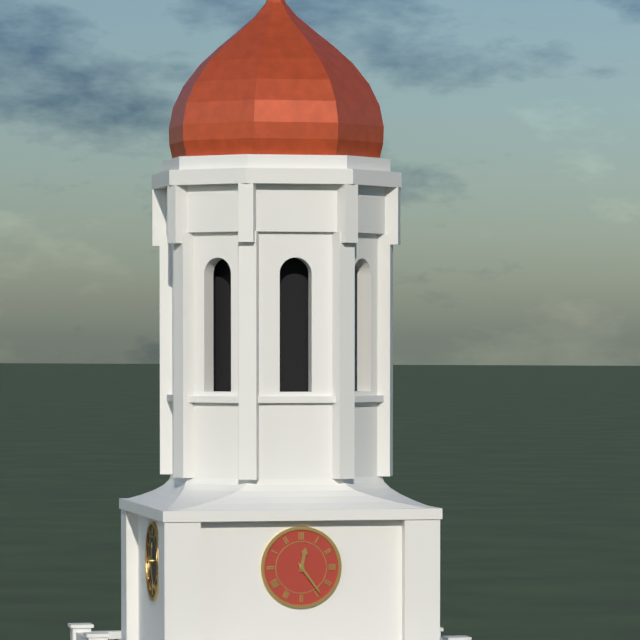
12:24
